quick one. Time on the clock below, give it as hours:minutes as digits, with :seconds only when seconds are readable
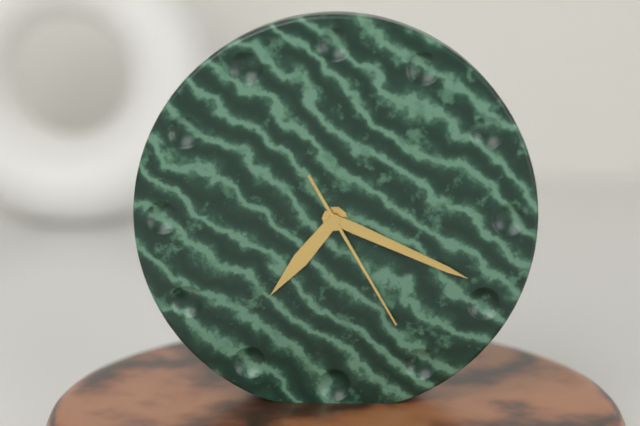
7:19:25
